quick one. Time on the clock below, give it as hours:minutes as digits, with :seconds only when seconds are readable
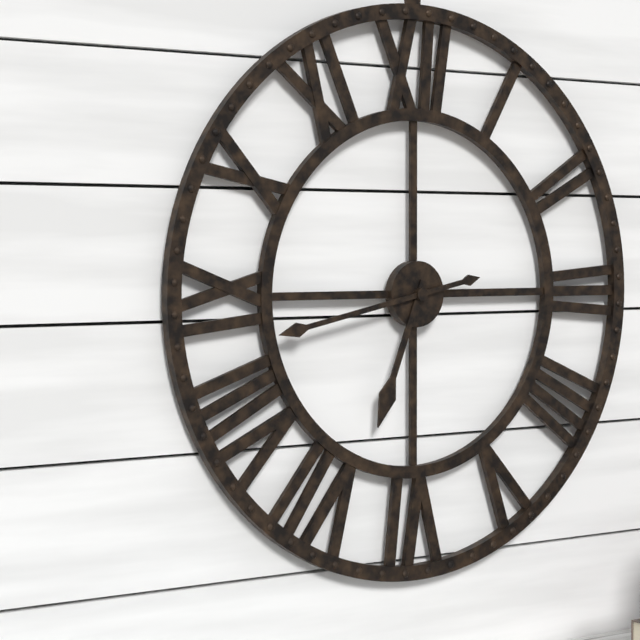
6:43
